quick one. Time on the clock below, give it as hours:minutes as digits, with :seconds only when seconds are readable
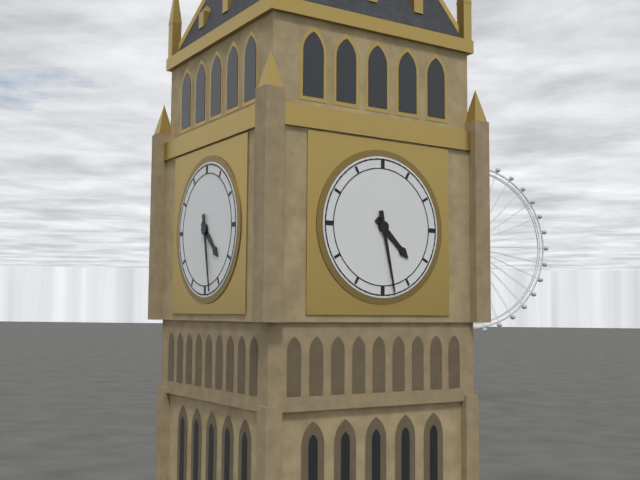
4:28
